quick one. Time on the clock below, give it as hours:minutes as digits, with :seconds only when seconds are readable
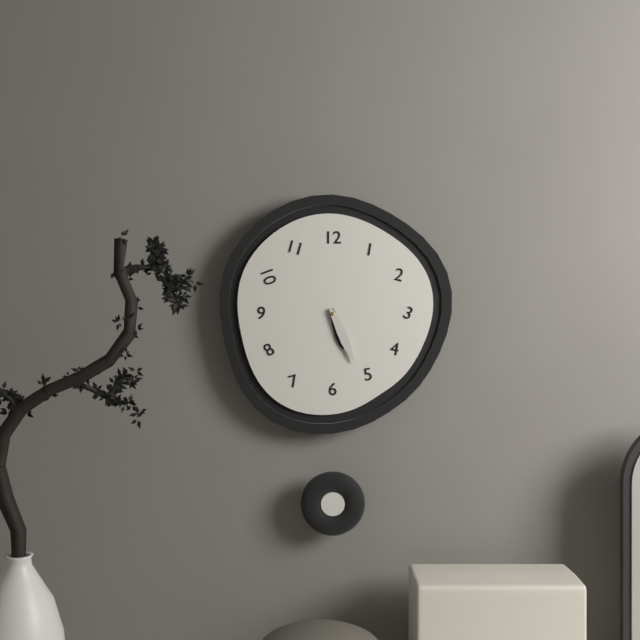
5:26
